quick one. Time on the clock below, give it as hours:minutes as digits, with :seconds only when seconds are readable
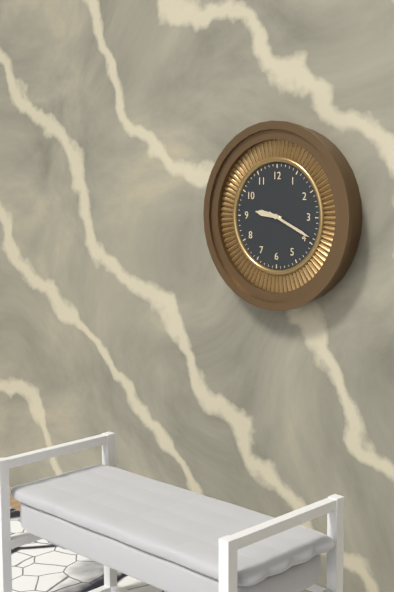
9:19
